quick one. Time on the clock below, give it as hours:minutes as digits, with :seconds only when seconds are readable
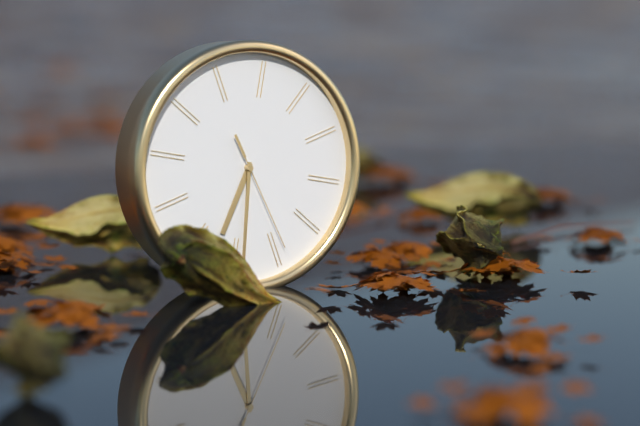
6:29:24
